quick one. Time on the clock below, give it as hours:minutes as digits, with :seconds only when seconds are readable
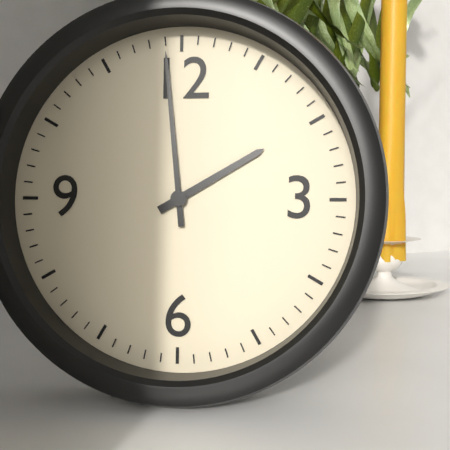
1:59
